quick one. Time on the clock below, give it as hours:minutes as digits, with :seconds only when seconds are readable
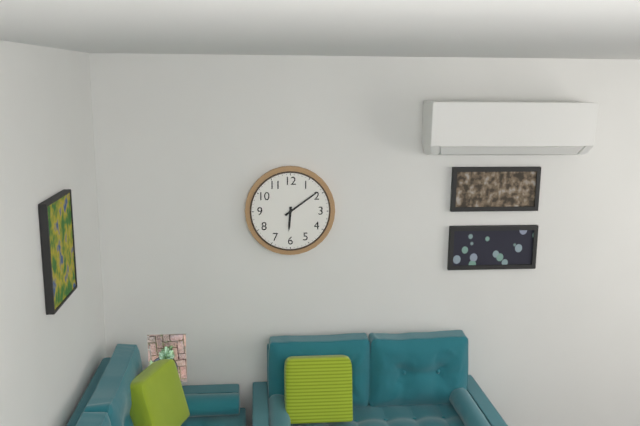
6:09
